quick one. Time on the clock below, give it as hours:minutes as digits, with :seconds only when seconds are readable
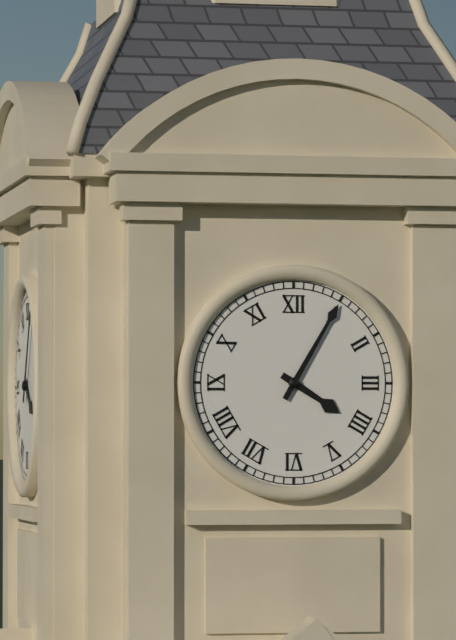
4:05
